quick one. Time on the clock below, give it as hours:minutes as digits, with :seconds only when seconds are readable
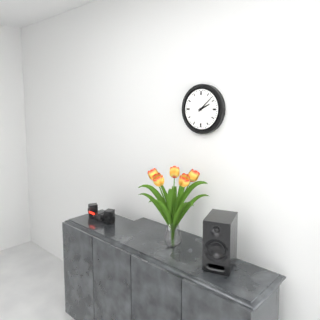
2:08
